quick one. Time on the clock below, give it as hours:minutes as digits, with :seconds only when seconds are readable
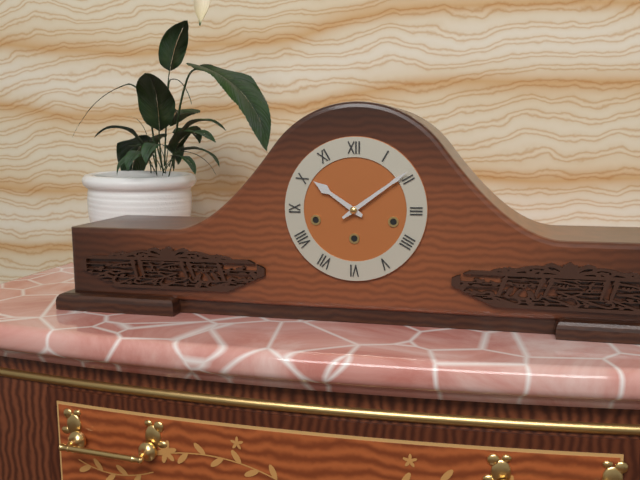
10:09
